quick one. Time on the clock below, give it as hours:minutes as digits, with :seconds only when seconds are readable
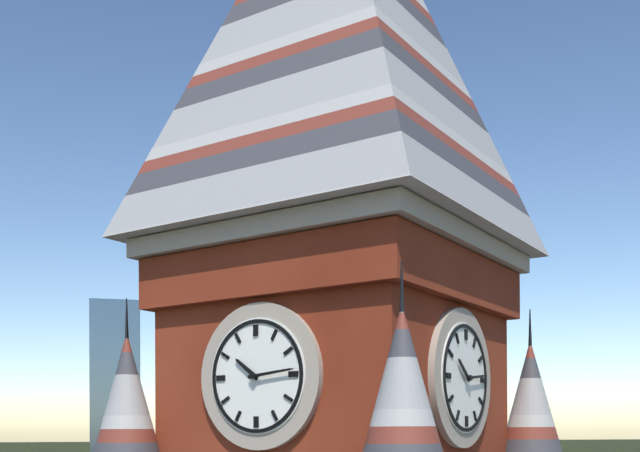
10:14
